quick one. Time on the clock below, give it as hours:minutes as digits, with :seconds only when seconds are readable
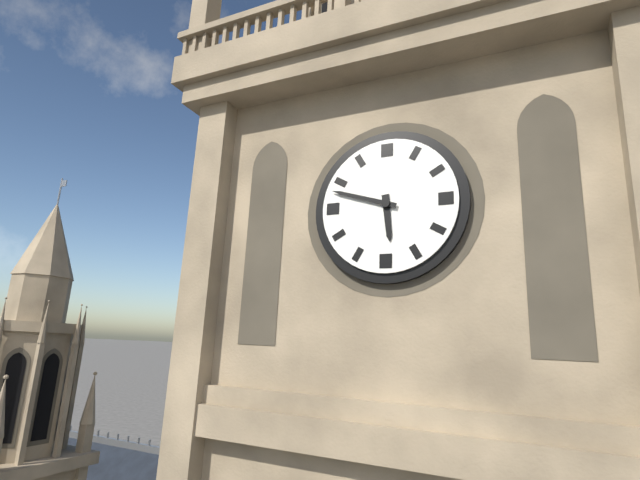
5:48
